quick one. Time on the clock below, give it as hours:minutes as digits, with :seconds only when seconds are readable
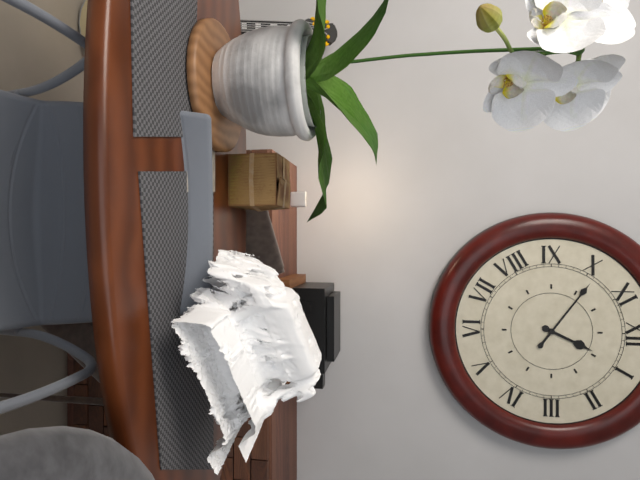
12:51
